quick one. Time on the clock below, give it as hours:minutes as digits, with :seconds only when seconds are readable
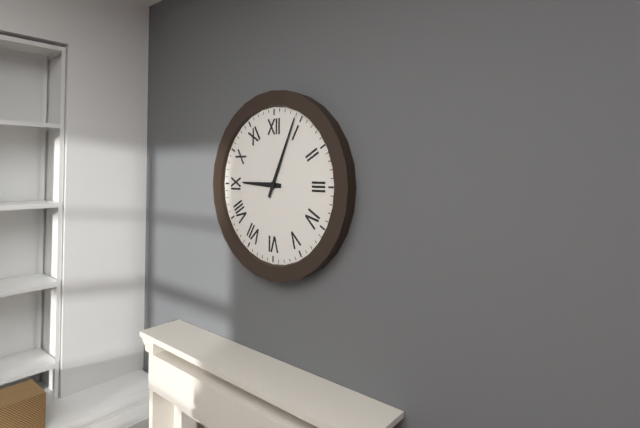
9:04
